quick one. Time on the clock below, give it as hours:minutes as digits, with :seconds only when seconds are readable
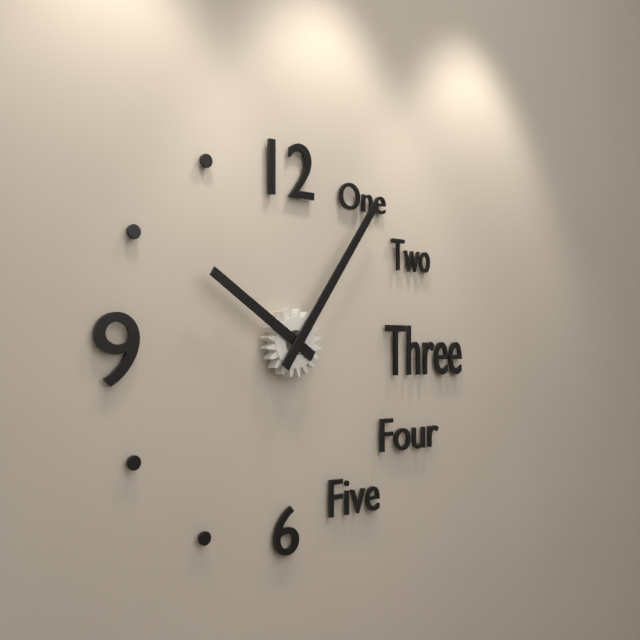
10:06
